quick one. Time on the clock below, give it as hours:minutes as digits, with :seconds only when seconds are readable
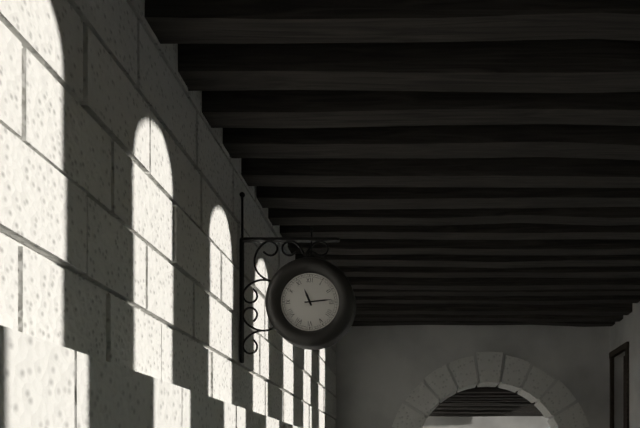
11:14
